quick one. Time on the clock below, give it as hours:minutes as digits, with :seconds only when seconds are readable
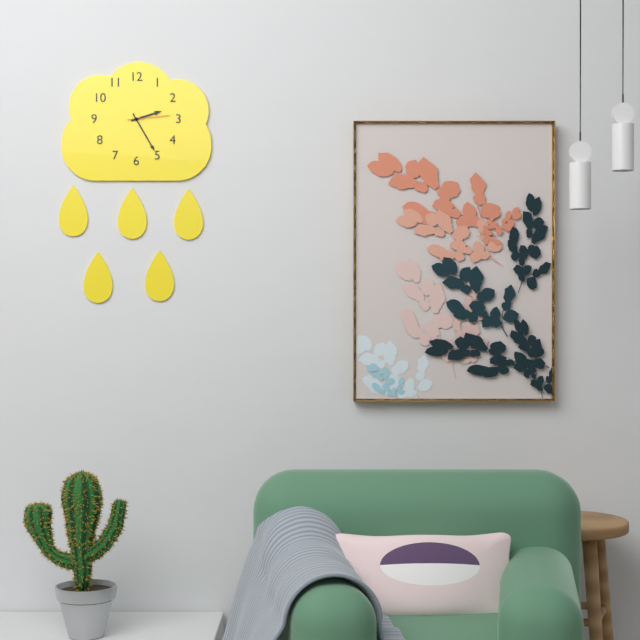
2:25
